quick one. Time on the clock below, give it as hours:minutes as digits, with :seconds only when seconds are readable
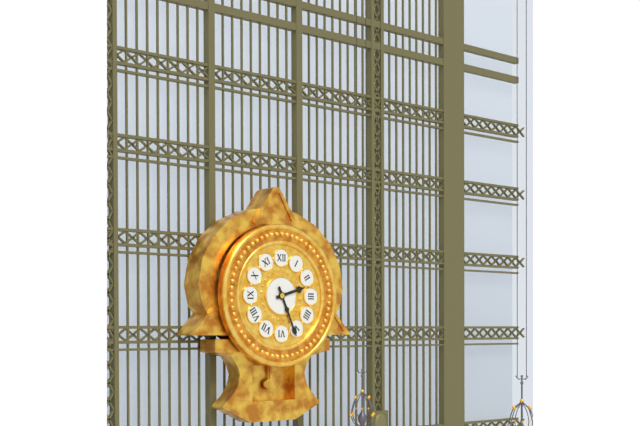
2:26
